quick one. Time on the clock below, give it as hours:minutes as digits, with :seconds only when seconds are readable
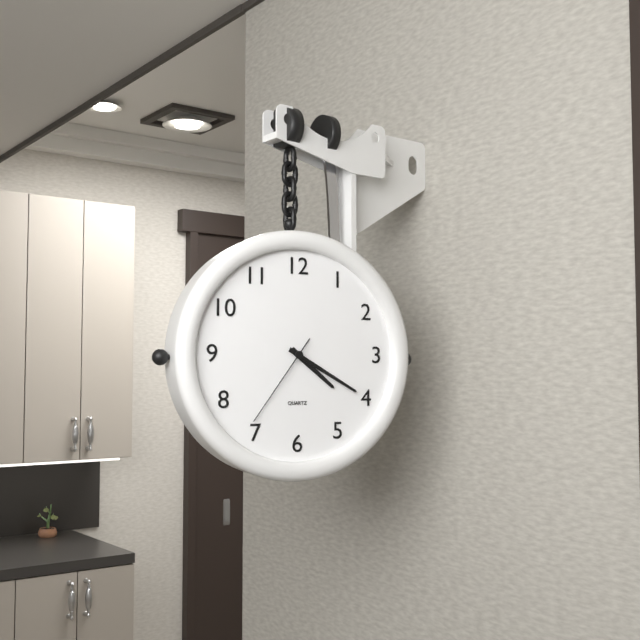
4:20:36
